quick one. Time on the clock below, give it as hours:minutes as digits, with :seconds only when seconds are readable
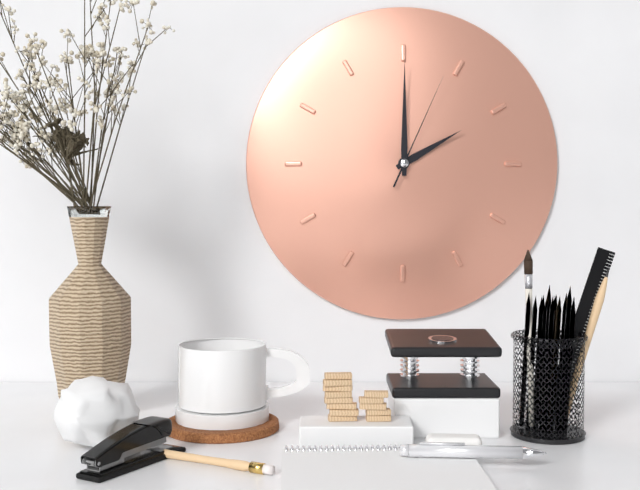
2:00:04
